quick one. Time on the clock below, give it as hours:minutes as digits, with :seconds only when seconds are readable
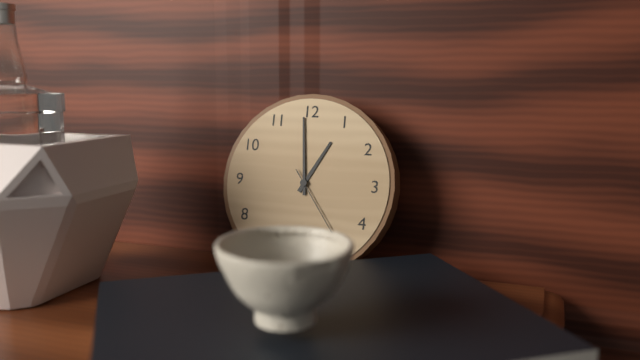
12:59:24
